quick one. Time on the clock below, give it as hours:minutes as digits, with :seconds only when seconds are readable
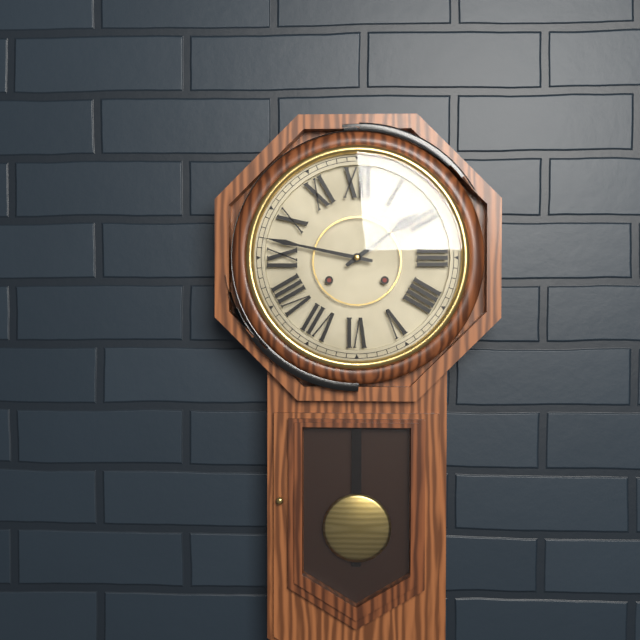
1:47
